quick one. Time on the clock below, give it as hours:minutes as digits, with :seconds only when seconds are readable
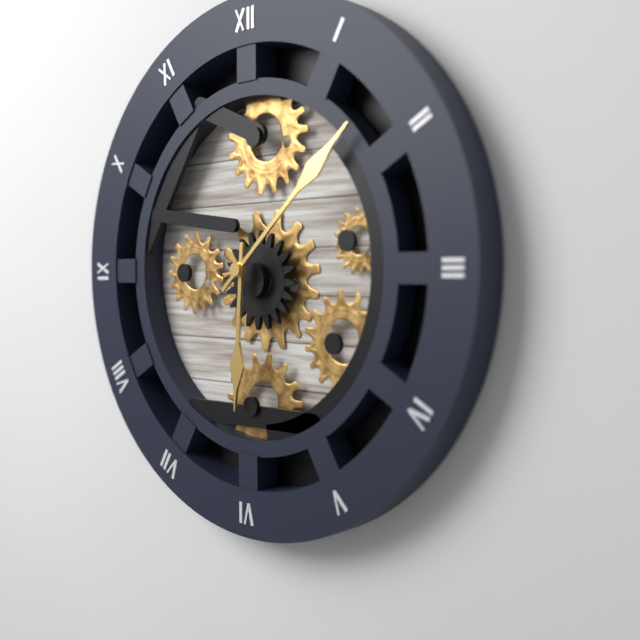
6:08
